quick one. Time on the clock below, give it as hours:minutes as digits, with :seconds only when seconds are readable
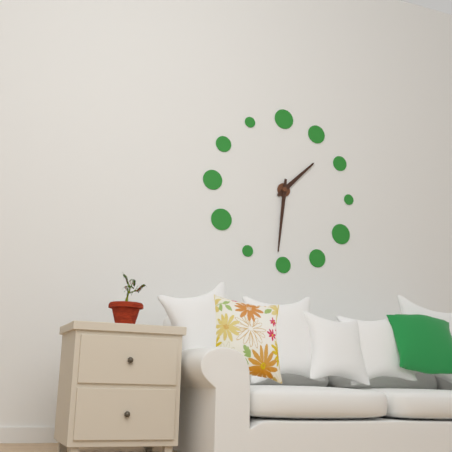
1:31
